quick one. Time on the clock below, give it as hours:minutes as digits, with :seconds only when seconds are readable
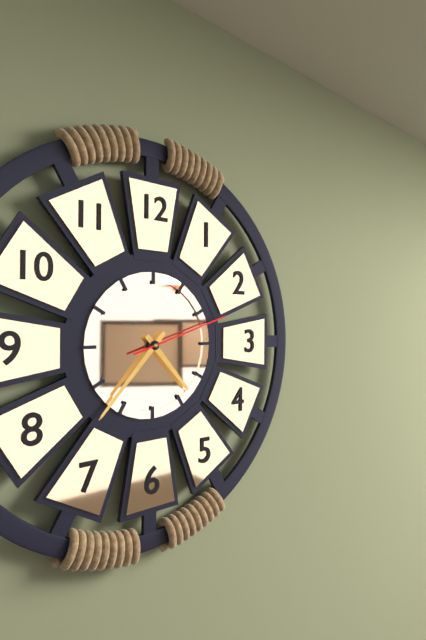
4:37:12
